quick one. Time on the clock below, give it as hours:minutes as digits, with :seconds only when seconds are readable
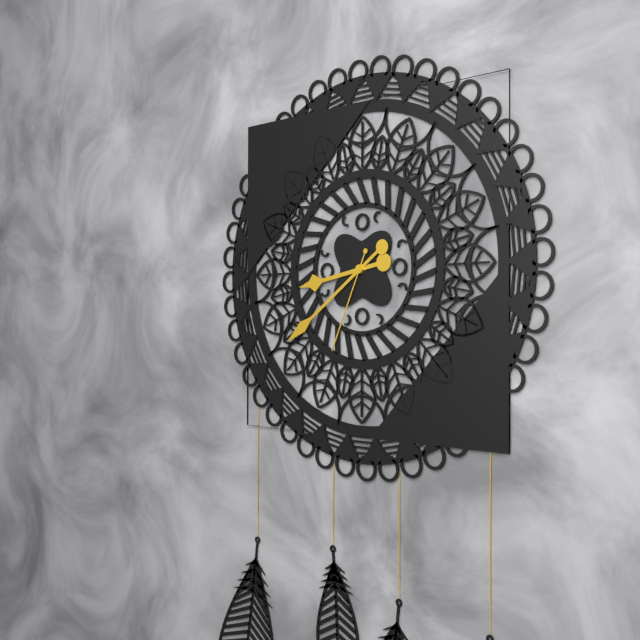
8:39:34
